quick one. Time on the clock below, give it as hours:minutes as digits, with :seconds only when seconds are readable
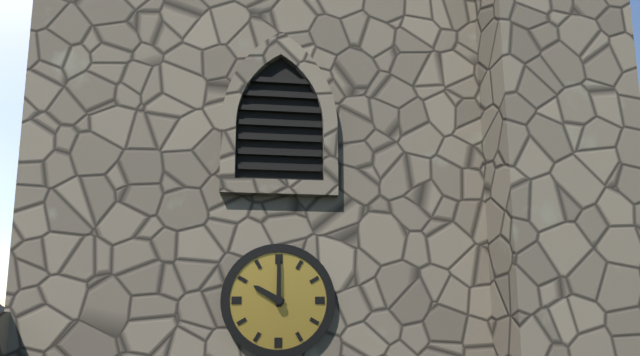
10:00
